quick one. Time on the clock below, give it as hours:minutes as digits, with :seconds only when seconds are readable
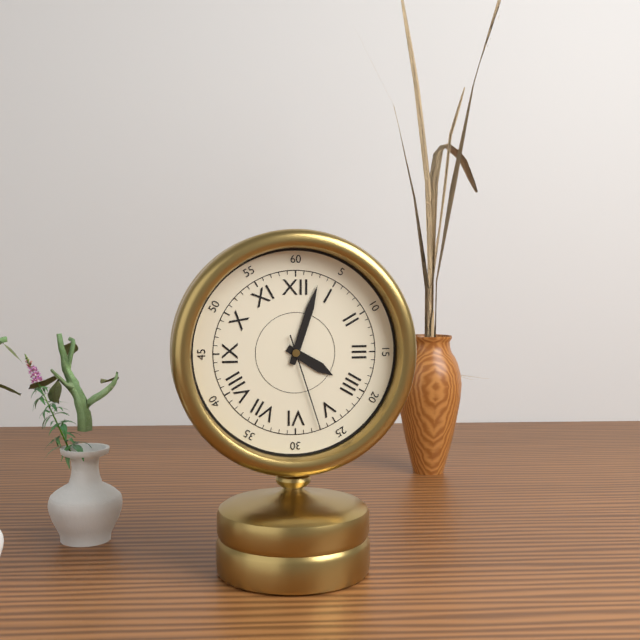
4:03:27
